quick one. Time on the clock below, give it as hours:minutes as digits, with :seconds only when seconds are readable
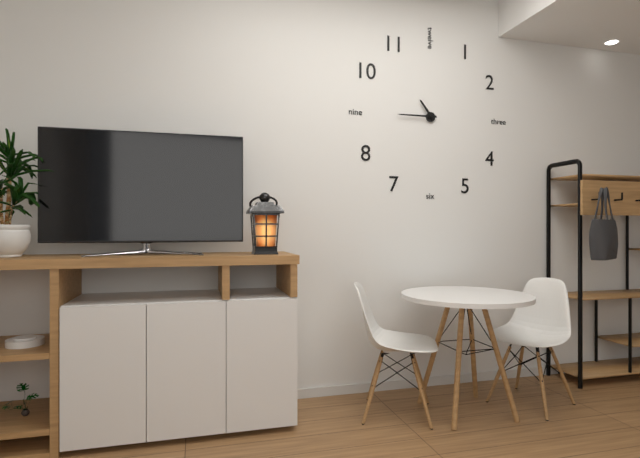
10:45
